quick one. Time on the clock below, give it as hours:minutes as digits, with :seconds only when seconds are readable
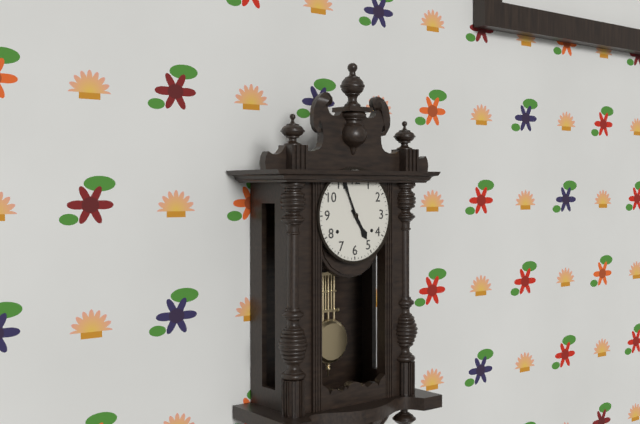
4:56
